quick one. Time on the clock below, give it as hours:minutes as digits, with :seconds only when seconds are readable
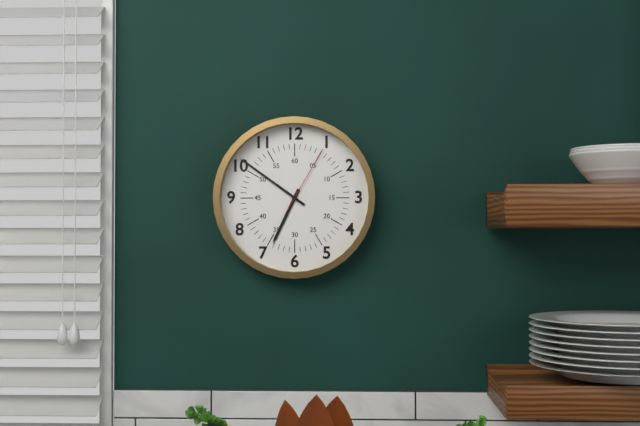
6:51:05
